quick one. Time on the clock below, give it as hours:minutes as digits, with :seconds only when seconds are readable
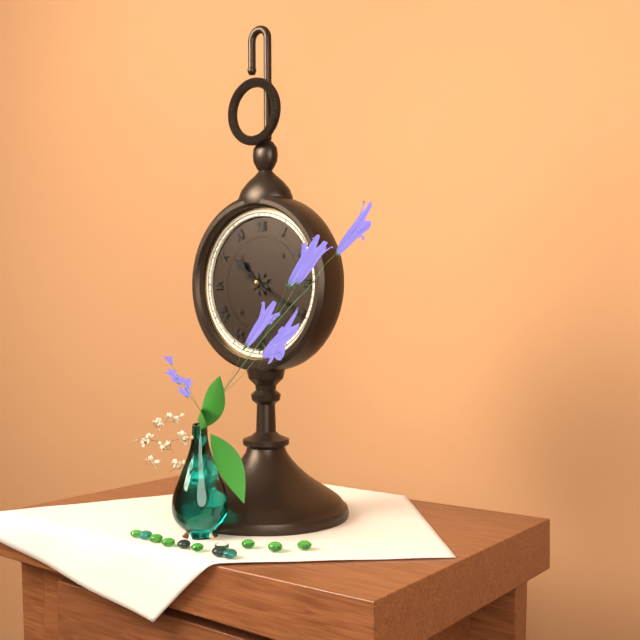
10:20
